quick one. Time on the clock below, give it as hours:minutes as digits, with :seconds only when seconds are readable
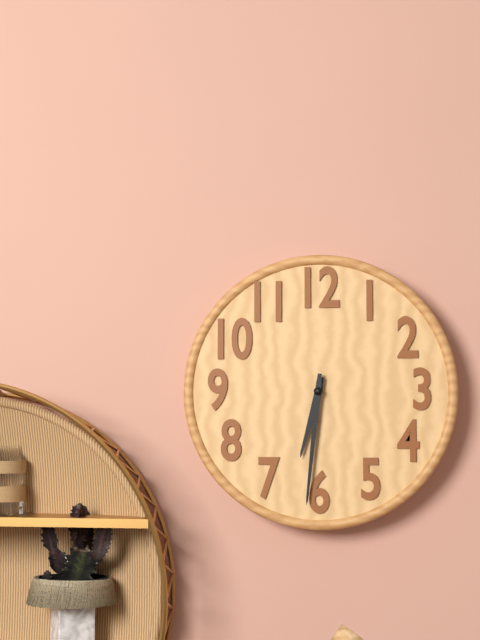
6:31
